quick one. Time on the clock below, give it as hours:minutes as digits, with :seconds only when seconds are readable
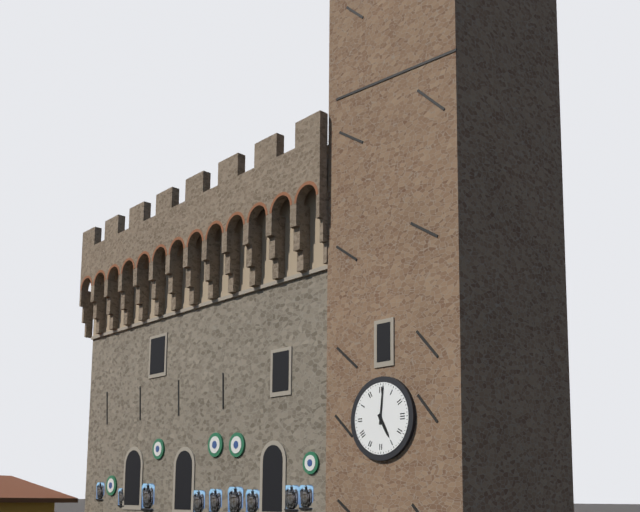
5:01
